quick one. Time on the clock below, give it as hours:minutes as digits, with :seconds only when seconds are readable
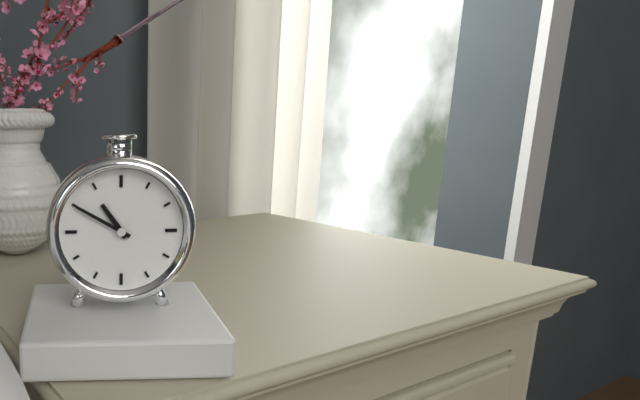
10:50
